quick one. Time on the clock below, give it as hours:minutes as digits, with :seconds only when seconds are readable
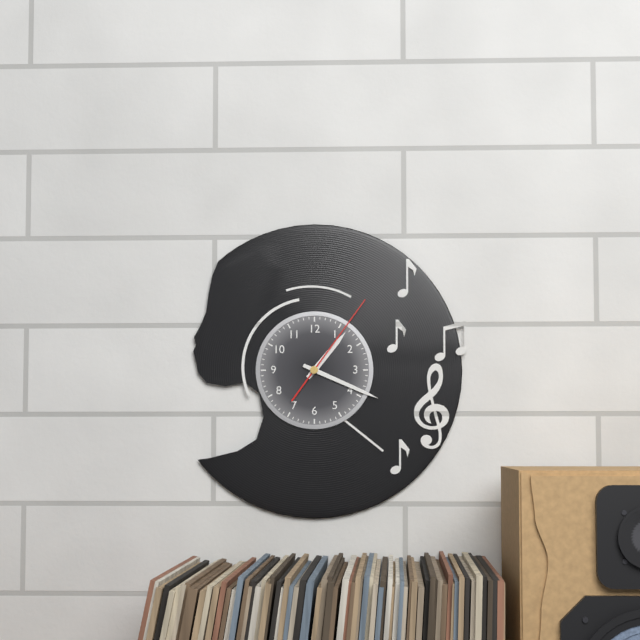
1:19:06
